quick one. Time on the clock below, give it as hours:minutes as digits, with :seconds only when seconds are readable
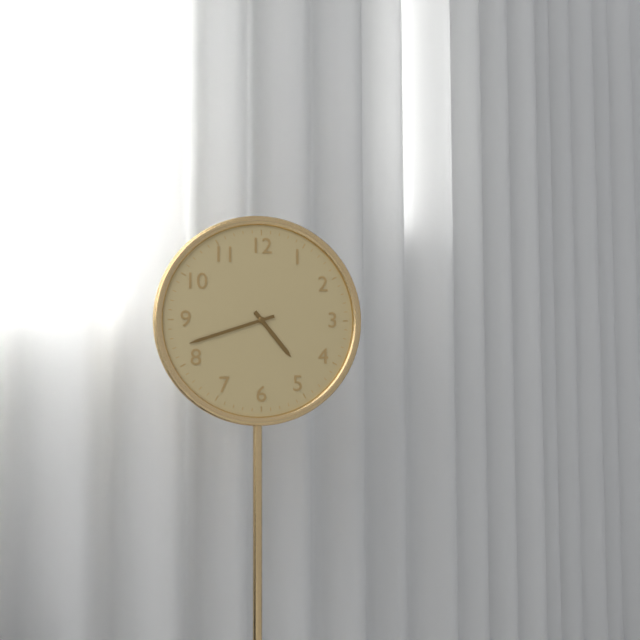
4:42
